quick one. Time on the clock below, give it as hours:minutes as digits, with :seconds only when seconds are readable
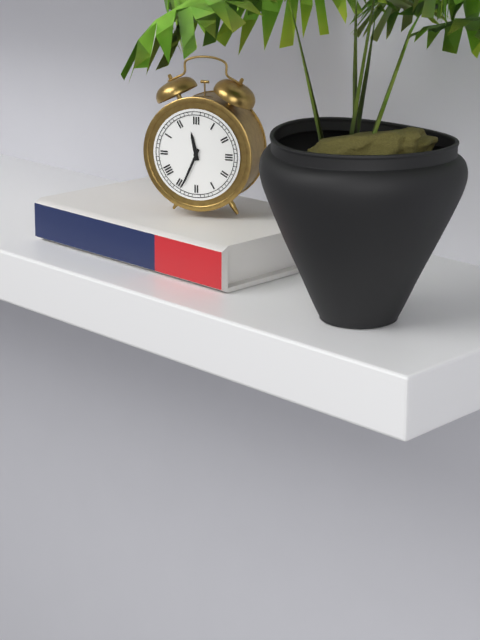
11:34
